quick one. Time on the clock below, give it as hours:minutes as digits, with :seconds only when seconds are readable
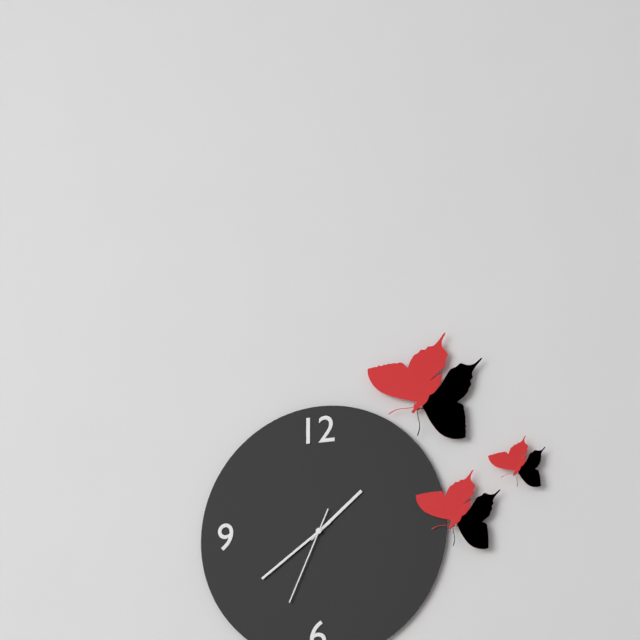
1:39:34
